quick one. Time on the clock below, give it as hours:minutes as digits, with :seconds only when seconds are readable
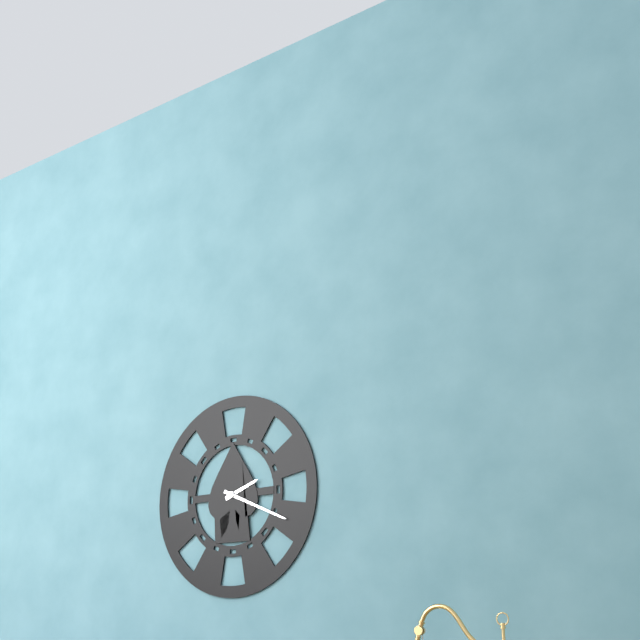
2:19
